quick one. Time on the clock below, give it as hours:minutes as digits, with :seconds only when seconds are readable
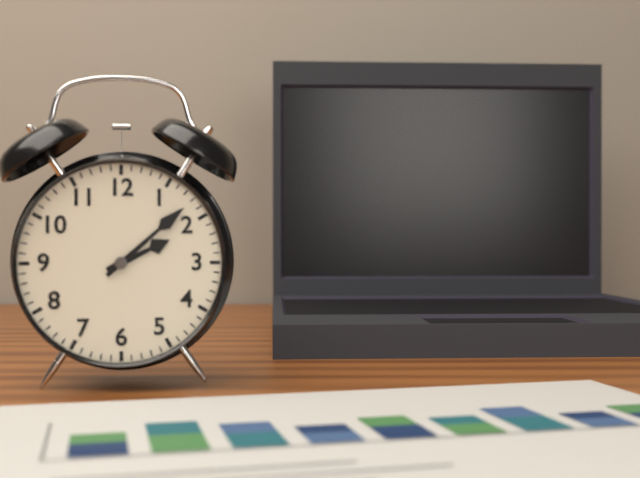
2:08
